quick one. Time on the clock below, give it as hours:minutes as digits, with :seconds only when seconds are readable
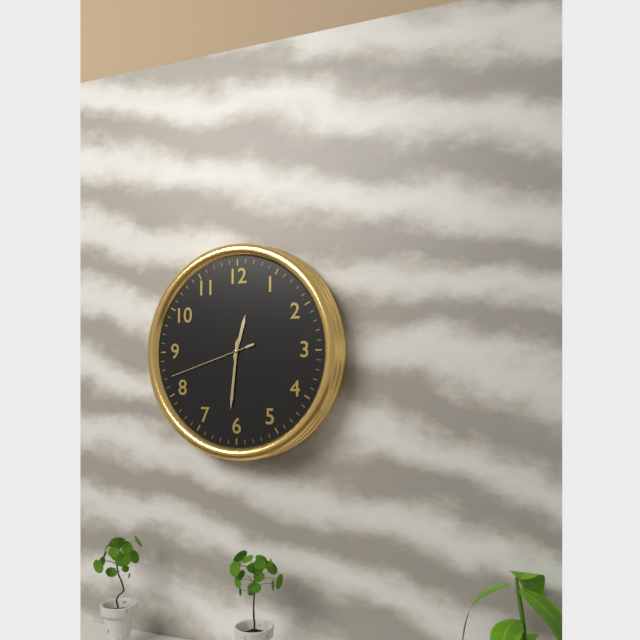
12:31:42
